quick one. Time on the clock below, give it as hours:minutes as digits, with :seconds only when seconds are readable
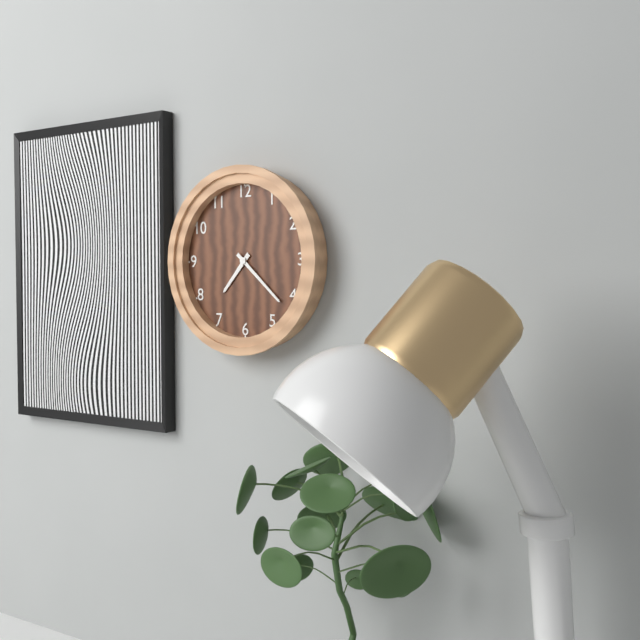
7:22
